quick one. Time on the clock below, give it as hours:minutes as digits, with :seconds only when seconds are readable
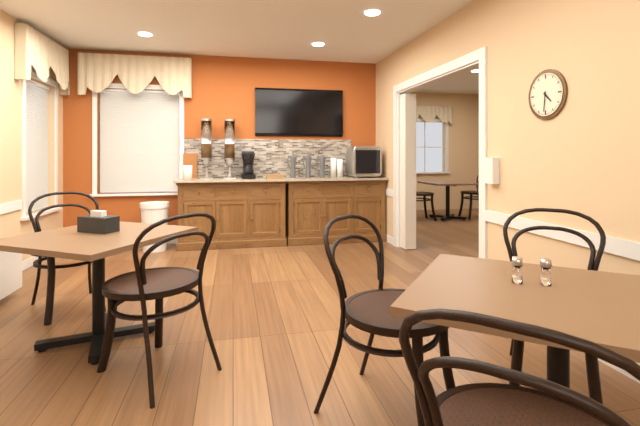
4:31
